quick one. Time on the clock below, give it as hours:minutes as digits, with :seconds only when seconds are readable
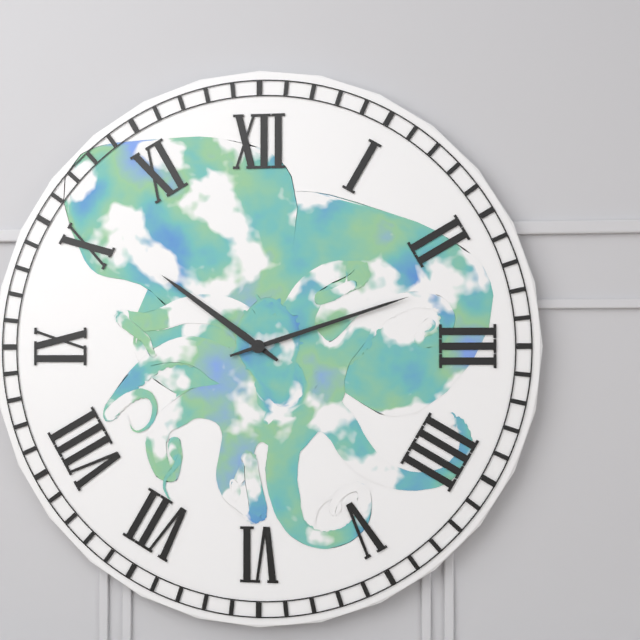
10:12
